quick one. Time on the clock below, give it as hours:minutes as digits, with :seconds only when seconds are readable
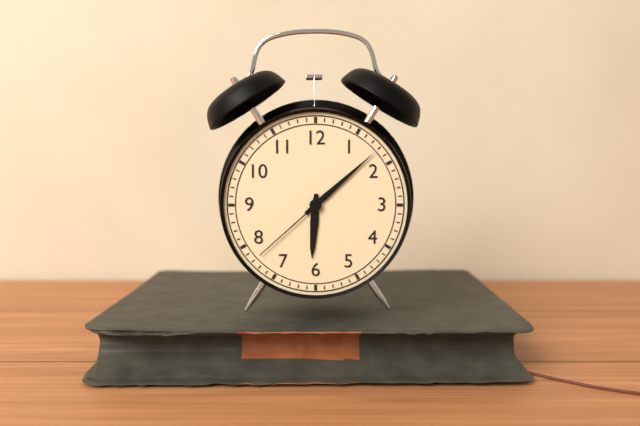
6:08:38
